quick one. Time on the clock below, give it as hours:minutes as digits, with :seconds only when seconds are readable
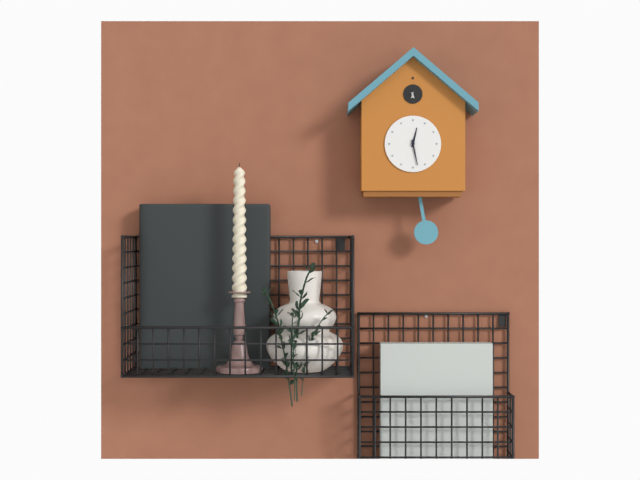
12:28
